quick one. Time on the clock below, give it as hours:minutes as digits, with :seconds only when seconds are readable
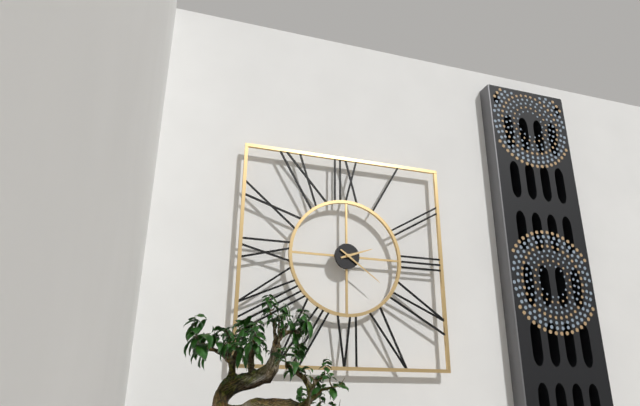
2:21
